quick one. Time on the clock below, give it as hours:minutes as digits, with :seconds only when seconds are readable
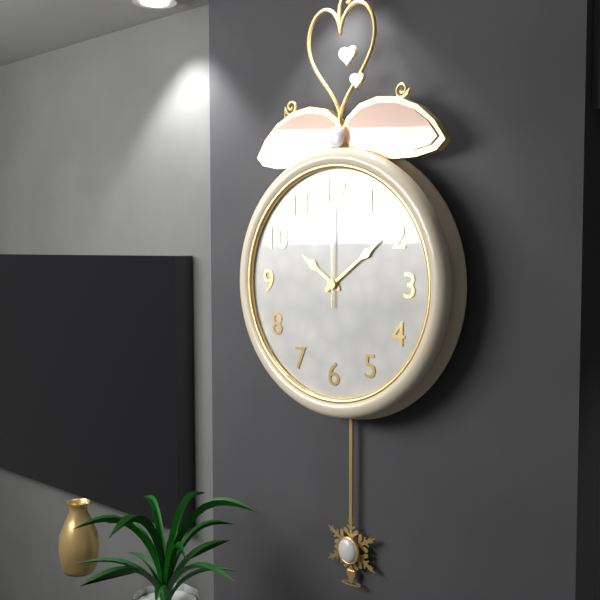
10:09:00
